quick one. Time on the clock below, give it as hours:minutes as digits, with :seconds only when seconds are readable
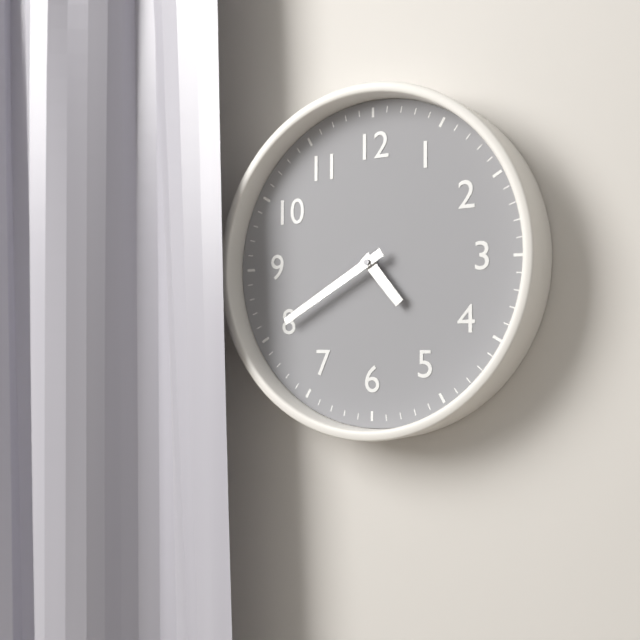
4:40
